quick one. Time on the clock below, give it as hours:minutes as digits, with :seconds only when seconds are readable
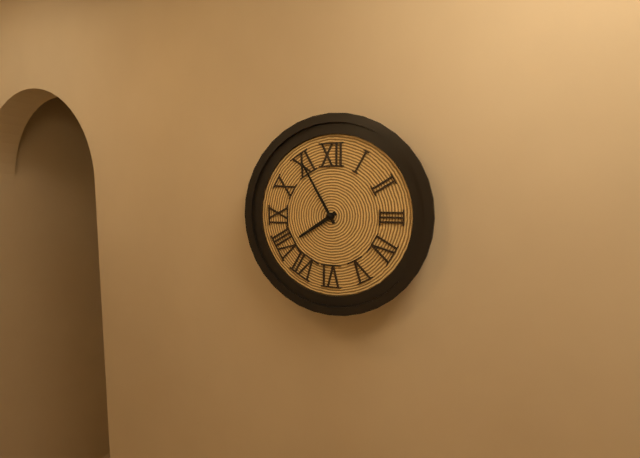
7:55
